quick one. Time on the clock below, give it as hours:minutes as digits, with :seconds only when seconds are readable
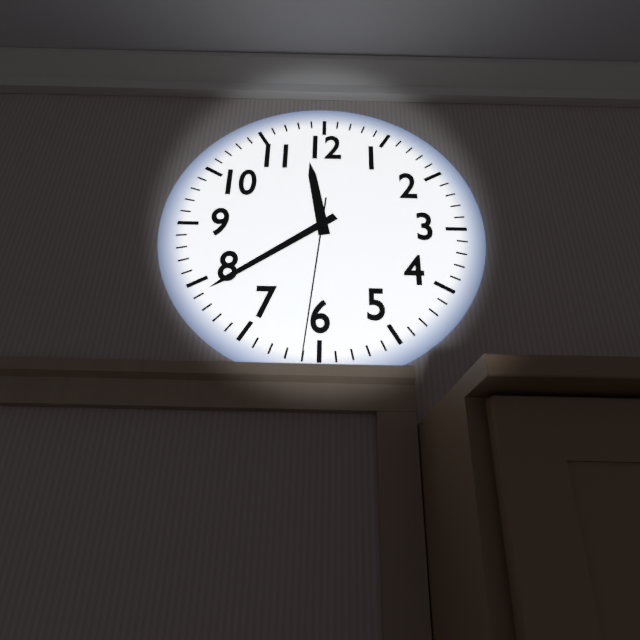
11:39:31
